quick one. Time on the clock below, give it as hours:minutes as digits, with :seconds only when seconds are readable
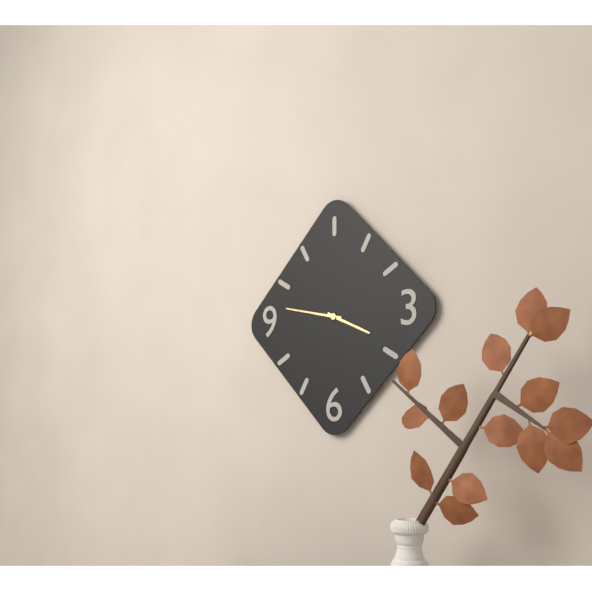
3:47
